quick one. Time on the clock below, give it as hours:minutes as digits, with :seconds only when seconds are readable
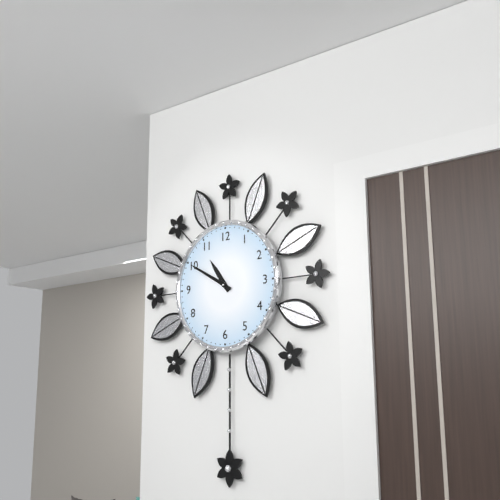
10:50
